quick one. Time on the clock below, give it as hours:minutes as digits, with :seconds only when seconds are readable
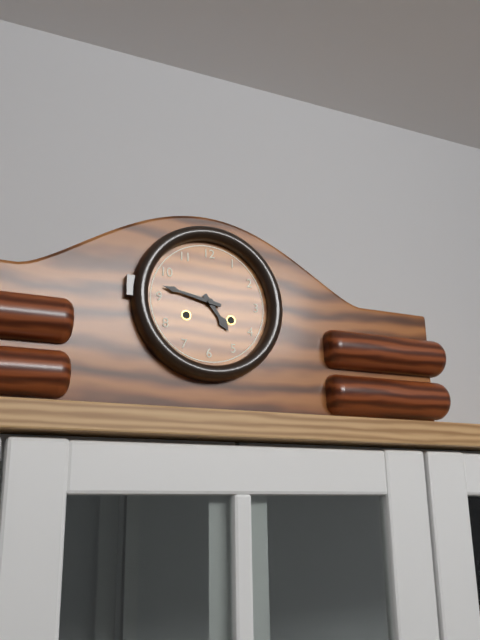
4:47
